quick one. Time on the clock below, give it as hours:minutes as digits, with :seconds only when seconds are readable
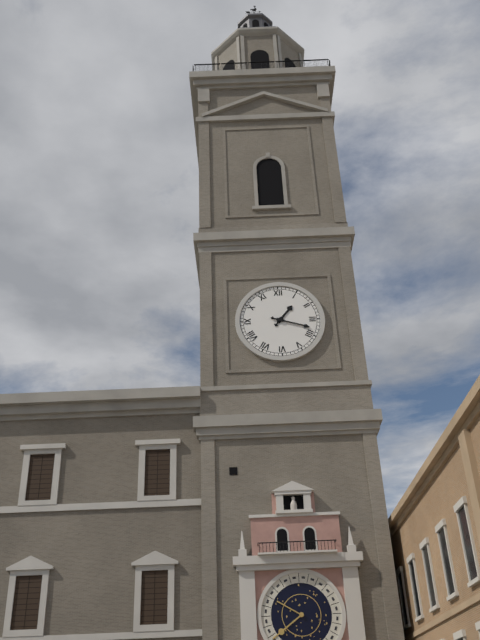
1:18
